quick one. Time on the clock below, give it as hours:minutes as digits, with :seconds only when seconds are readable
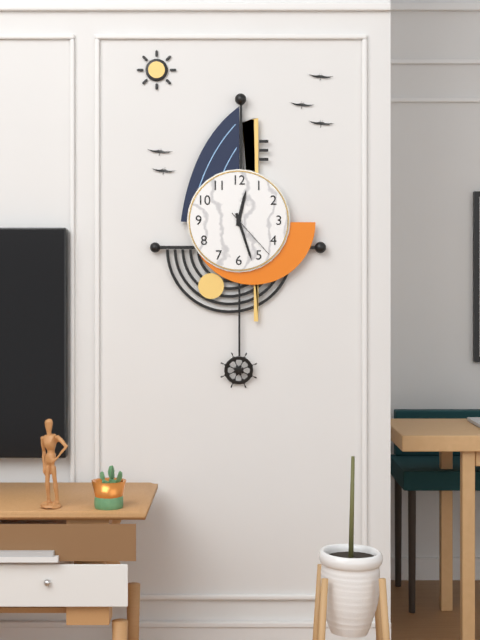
12:27:23
